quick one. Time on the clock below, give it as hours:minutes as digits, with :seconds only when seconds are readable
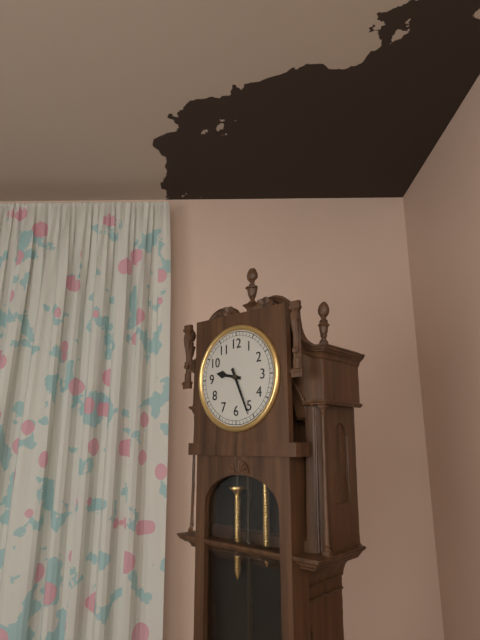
9:26
